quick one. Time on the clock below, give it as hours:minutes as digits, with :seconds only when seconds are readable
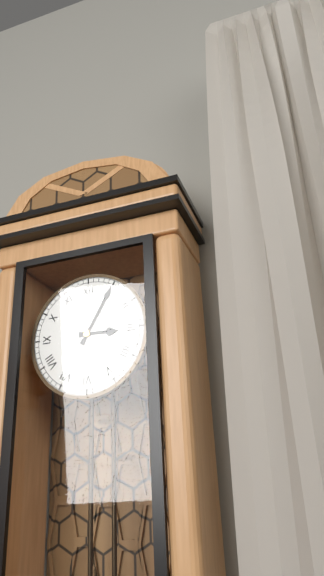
3:05
